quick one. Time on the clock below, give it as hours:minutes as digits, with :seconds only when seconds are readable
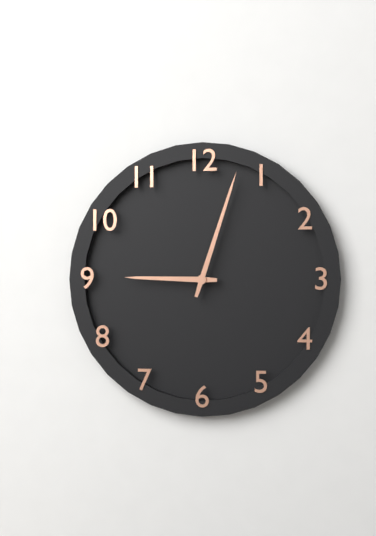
9:03
